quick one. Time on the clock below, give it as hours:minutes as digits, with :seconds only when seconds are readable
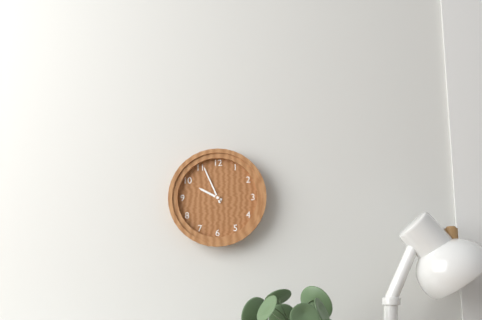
9:56
